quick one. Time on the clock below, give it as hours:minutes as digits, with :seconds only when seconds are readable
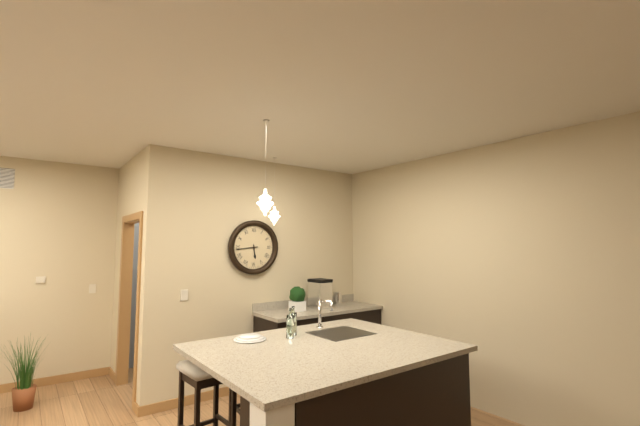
5:44
